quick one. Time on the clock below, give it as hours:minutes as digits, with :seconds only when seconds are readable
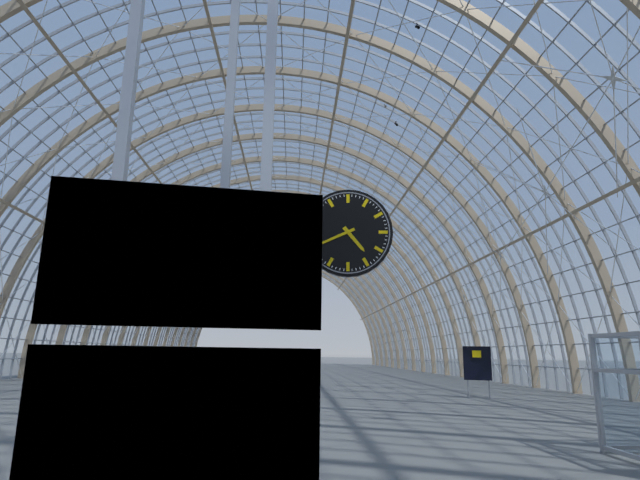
4:41
